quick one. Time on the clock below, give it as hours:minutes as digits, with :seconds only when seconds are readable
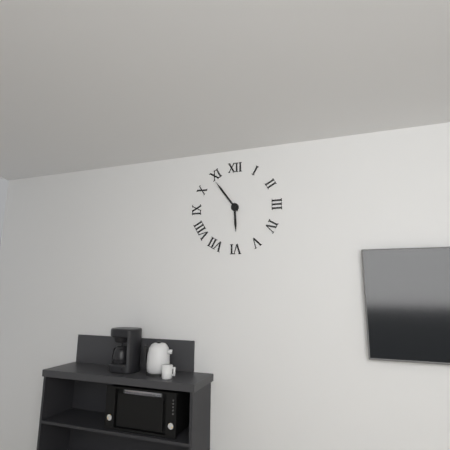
5:54
